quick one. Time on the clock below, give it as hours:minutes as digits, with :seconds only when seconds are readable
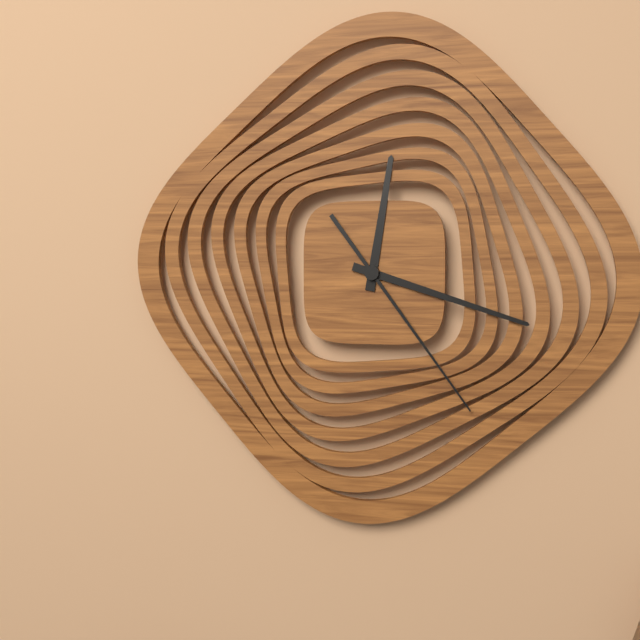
12:18:24
